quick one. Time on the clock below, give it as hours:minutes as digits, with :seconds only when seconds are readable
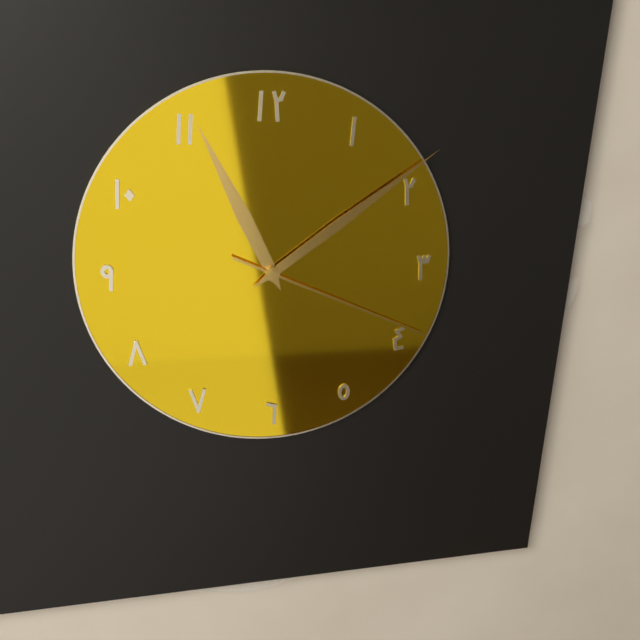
11:09:19
